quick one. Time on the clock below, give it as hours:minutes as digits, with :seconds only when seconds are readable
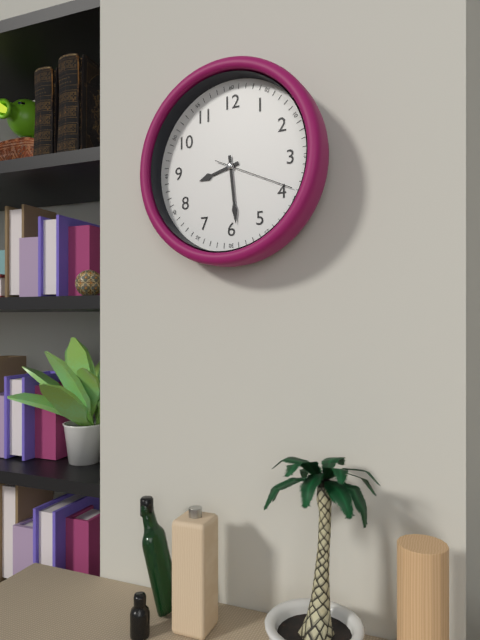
8:29:19
